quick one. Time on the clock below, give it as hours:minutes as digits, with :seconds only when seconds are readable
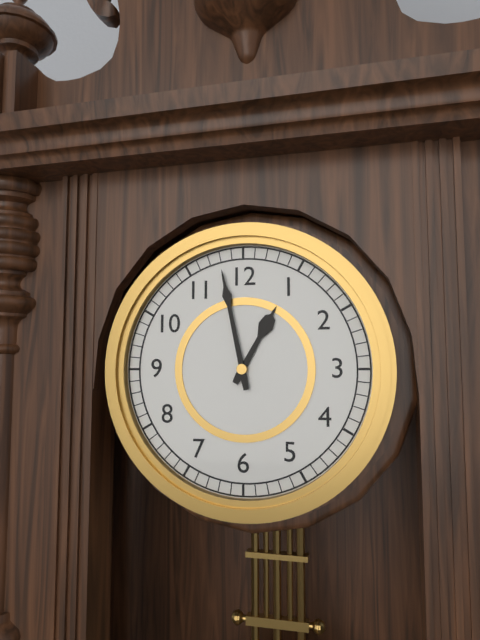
12:58
